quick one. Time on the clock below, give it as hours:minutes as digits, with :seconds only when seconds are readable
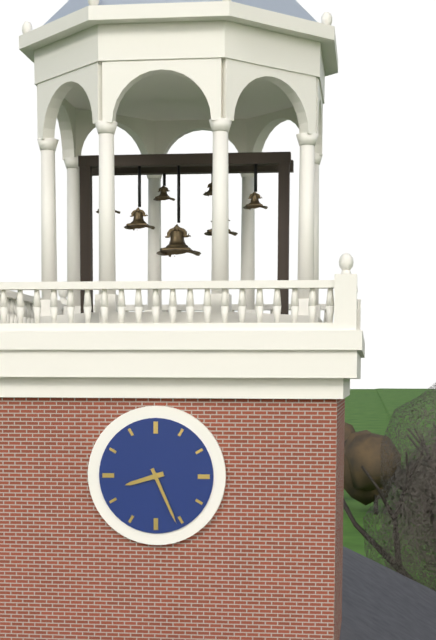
8:26
